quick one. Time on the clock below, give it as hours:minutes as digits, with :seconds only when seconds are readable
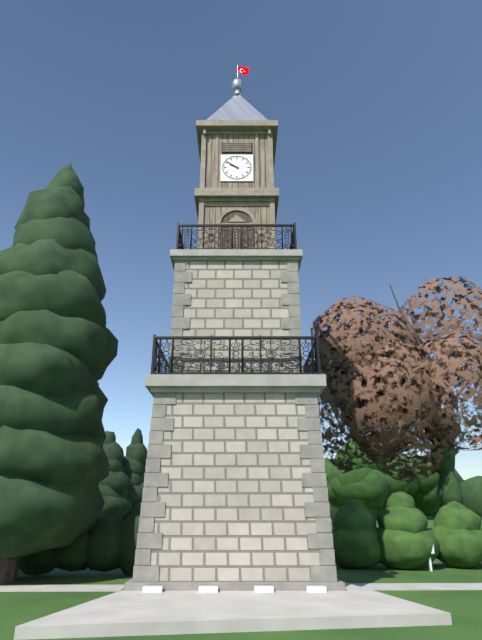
9:51
